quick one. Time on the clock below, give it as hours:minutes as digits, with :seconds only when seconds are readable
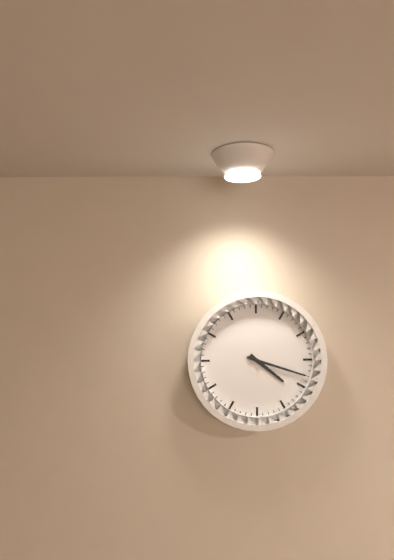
4:18
